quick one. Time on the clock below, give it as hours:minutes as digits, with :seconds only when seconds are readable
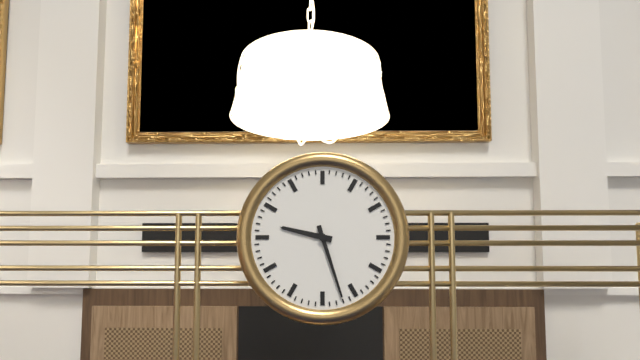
9:27
